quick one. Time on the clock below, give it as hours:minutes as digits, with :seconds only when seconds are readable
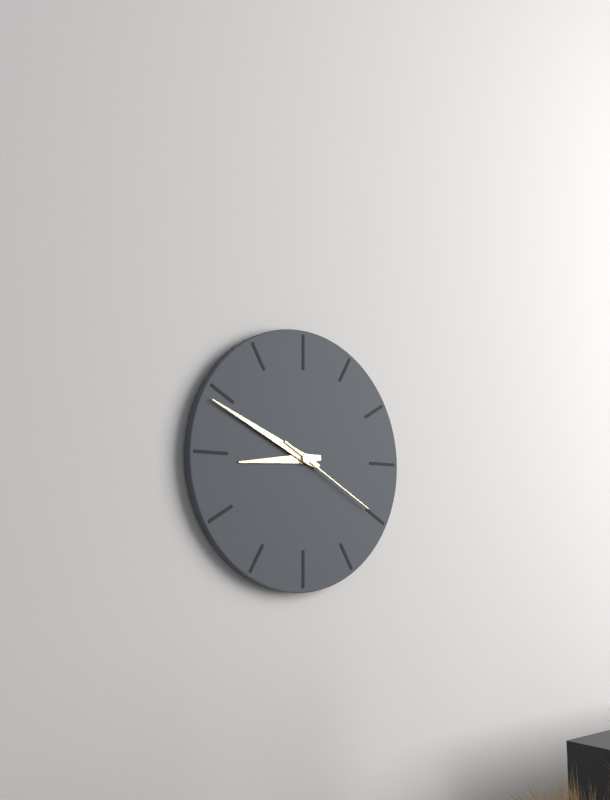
8:49:20
